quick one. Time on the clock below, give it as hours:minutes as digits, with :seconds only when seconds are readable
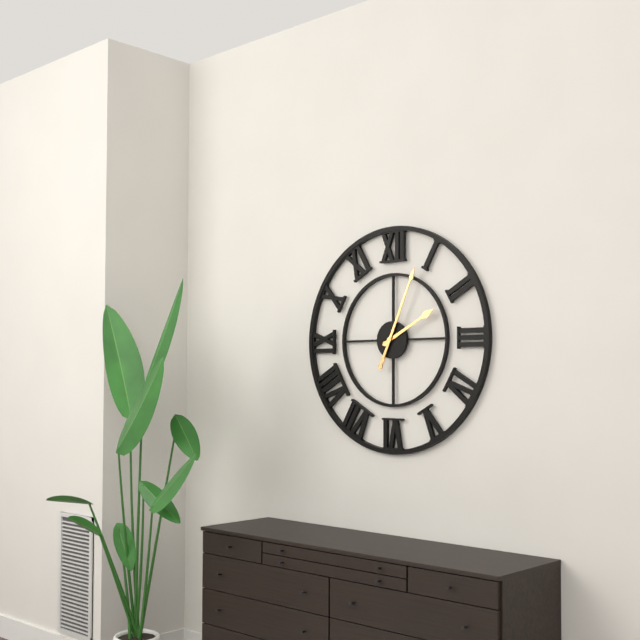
2:04
